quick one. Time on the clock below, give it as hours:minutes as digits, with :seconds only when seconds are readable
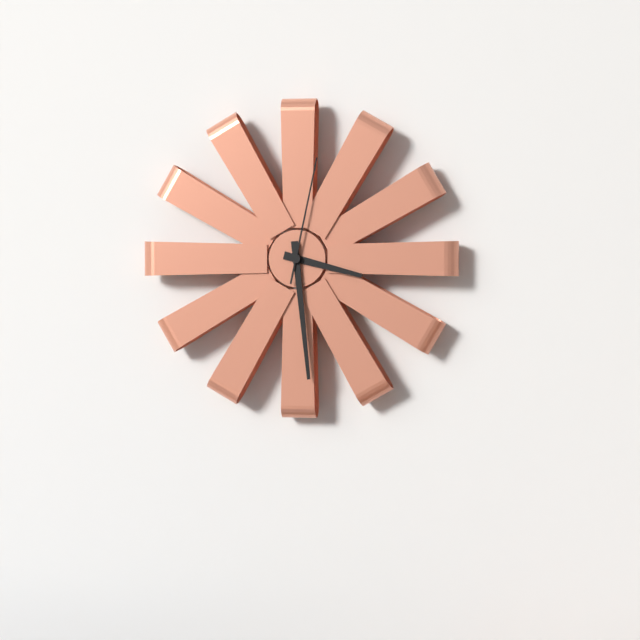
3:29:02
